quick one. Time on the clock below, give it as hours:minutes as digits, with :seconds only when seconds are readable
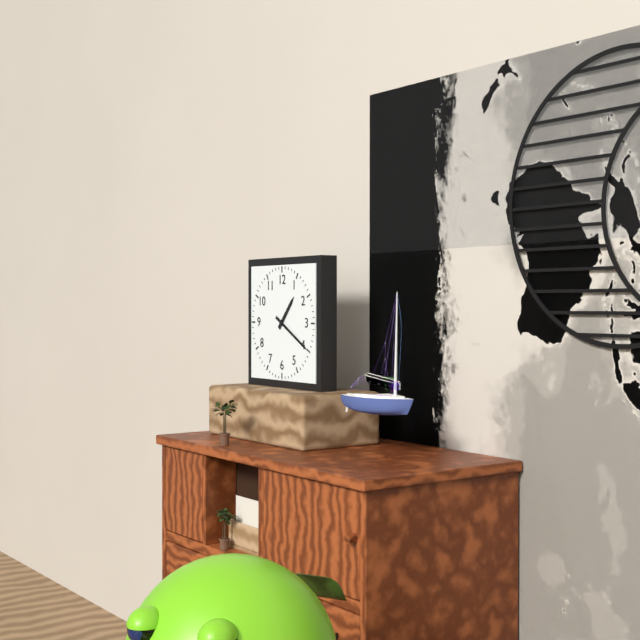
1:20
